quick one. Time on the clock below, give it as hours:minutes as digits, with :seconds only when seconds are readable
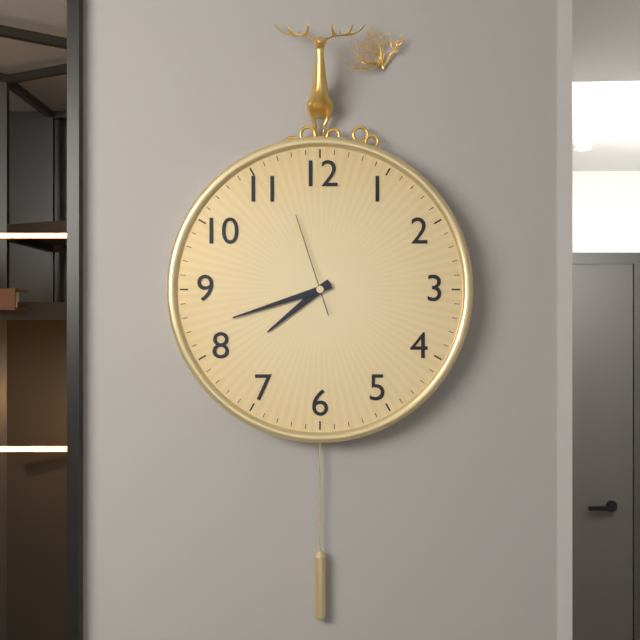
7:42:57
